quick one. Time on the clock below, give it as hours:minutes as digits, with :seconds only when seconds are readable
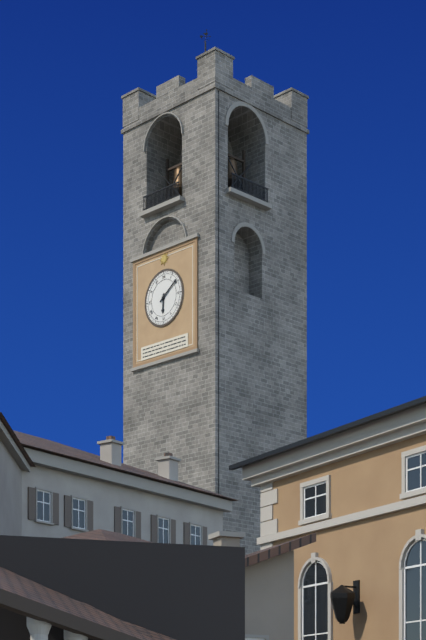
6:09
